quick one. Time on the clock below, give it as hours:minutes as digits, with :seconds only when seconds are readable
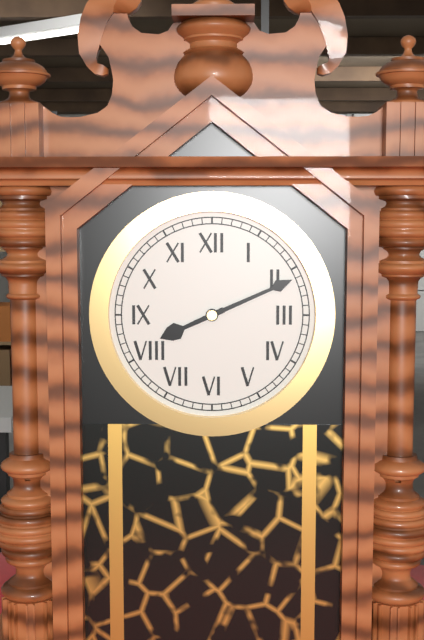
8:11
